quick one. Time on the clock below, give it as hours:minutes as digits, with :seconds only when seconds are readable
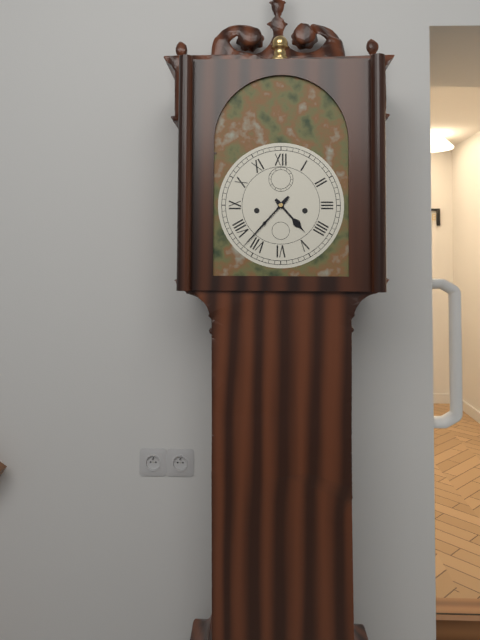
4:37
